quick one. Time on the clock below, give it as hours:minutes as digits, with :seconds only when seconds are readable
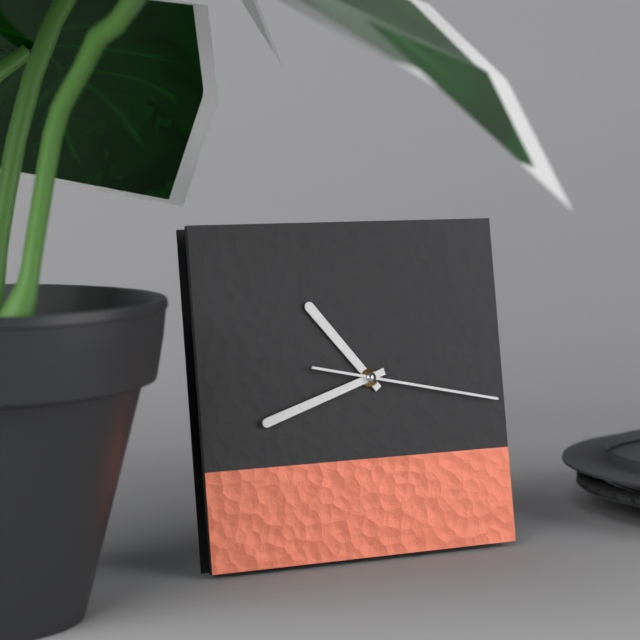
10:42:17
